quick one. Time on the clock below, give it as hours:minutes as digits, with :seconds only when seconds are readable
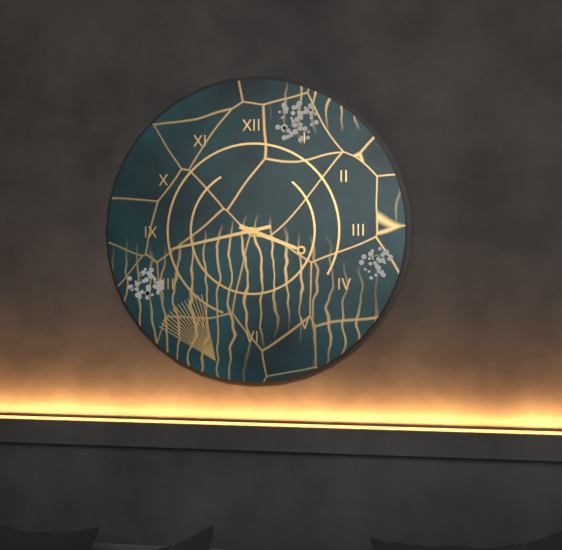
3:43
